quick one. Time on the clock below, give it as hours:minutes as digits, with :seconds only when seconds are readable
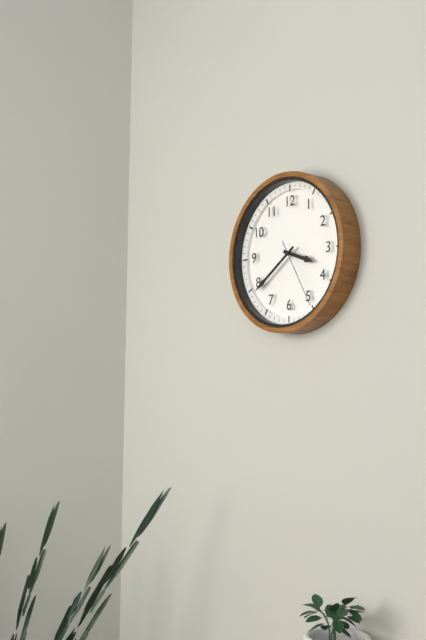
3:39:25
